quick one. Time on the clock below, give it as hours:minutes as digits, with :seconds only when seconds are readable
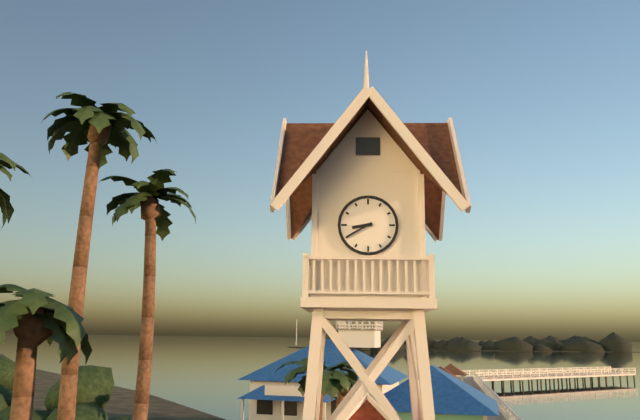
8:40
